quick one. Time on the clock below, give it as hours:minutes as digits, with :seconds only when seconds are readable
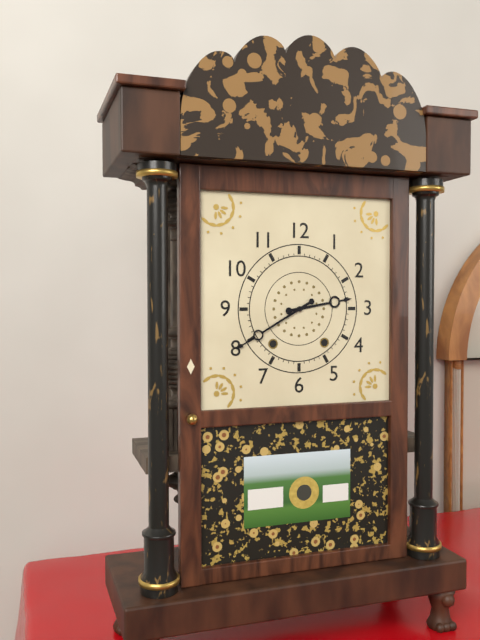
2:40
